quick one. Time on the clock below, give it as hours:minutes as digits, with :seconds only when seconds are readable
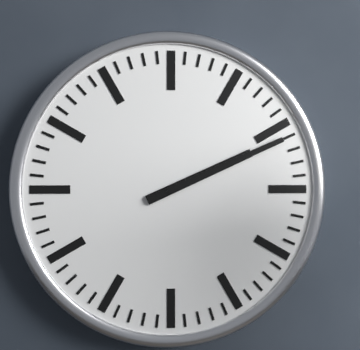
2:11
